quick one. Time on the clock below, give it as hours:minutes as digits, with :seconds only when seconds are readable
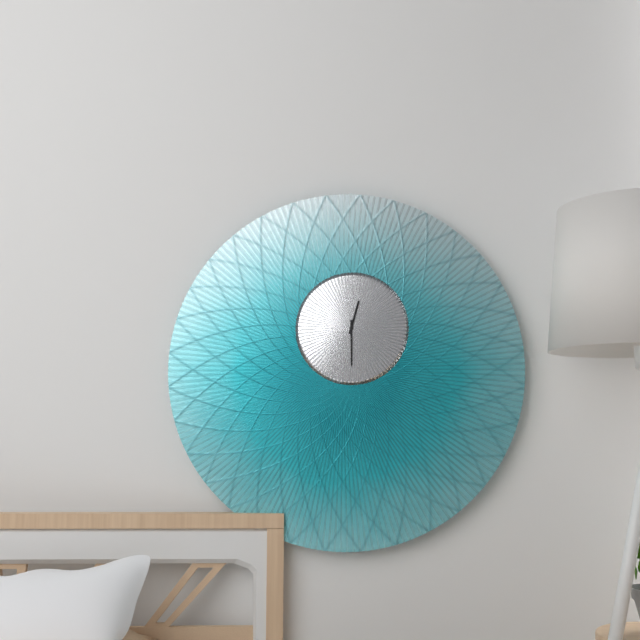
12:30
